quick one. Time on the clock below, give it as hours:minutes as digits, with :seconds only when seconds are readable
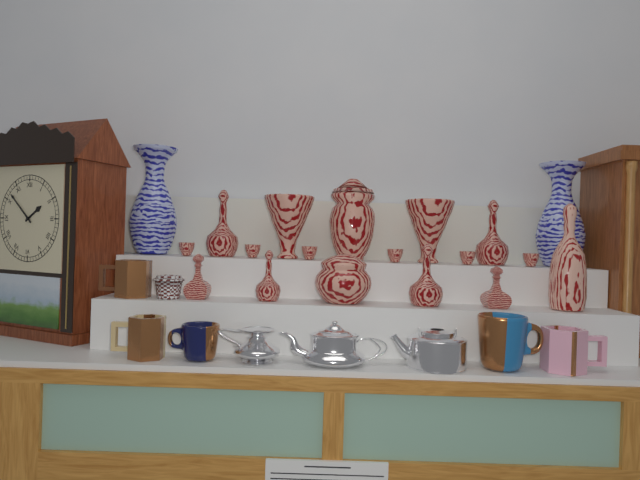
1:52
